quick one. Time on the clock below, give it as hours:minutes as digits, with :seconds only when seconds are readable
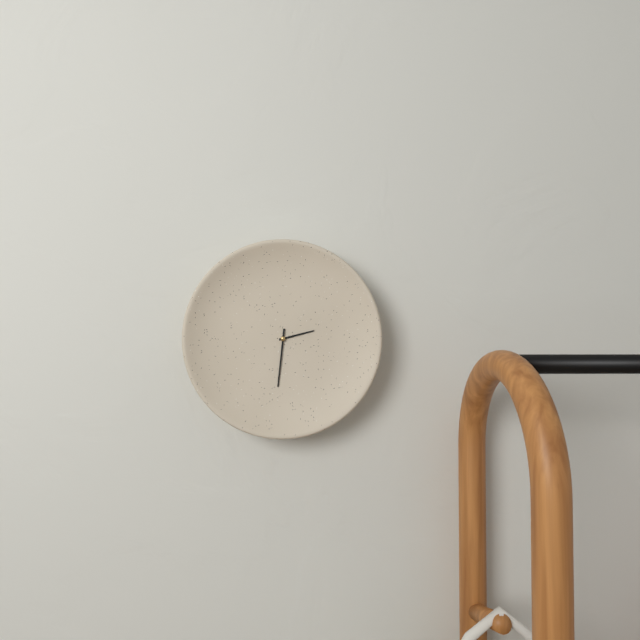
2:31
